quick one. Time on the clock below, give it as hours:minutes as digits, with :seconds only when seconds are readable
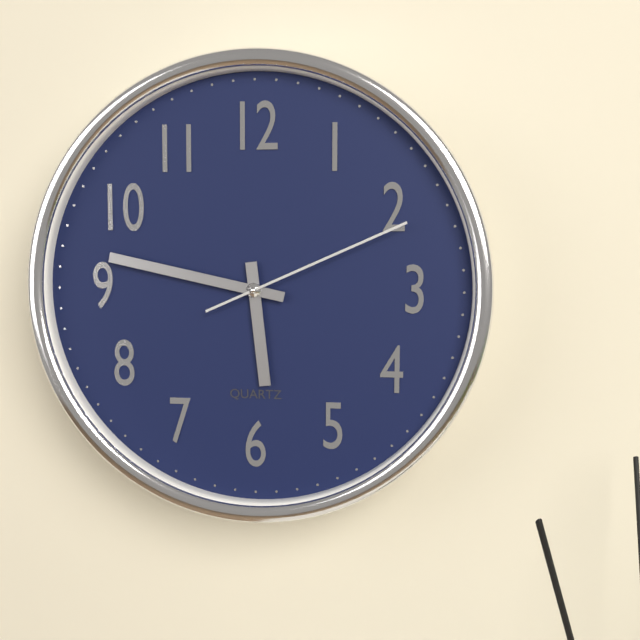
5:47:11
